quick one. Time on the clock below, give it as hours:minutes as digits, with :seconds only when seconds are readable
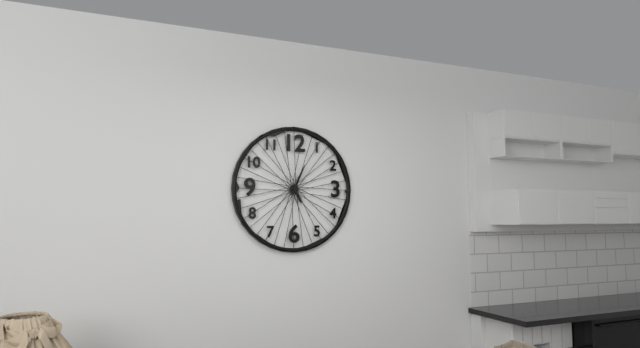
5:04
